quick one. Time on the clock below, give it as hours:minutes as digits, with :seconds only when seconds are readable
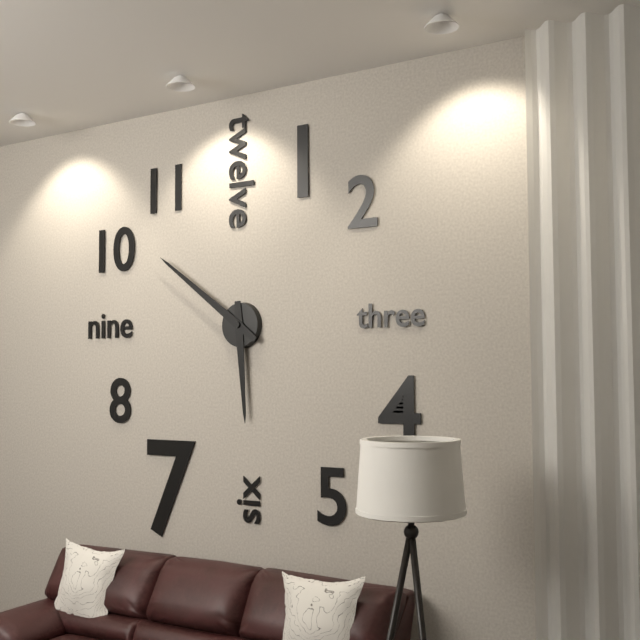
5:51
